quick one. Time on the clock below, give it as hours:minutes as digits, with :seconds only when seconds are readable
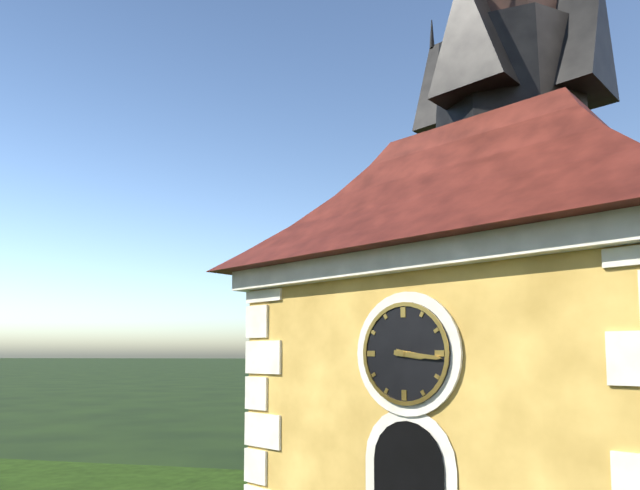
3:16
